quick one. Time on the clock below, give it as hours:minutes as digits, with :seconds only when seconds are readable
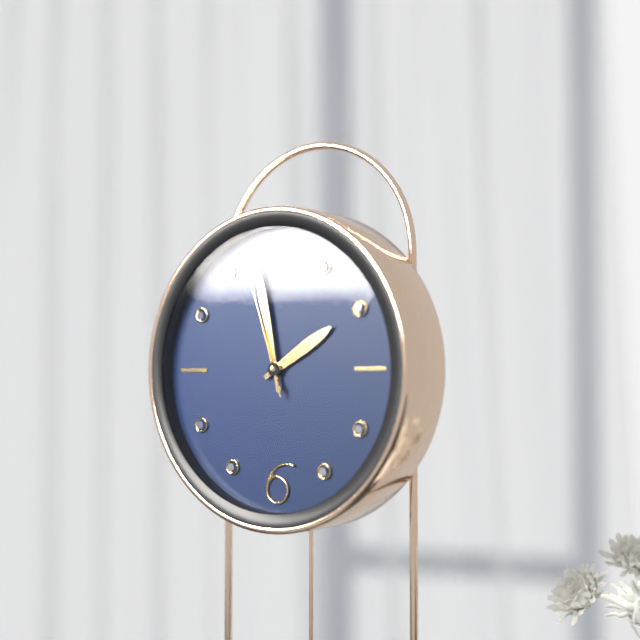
1:58:57
